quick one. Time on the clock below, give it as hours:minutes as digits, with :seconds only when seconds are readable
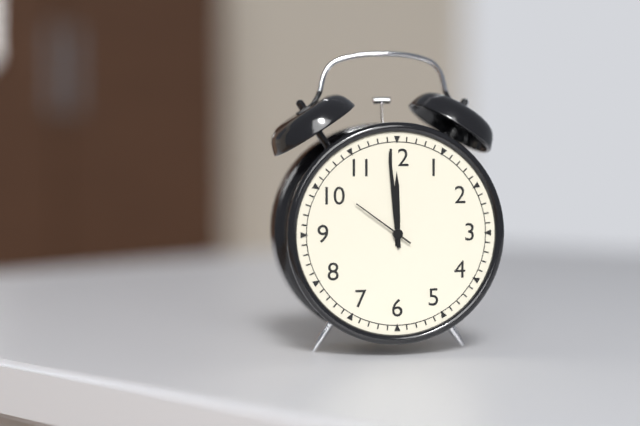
11:59:51
